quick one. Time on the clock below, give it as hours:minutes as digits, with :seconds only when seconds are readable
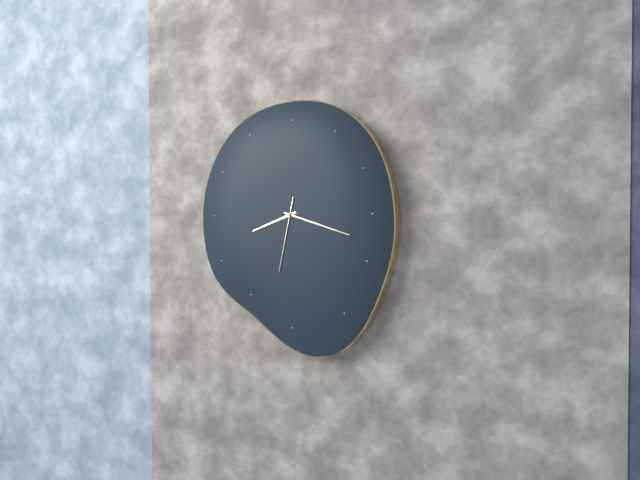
8:18:32
